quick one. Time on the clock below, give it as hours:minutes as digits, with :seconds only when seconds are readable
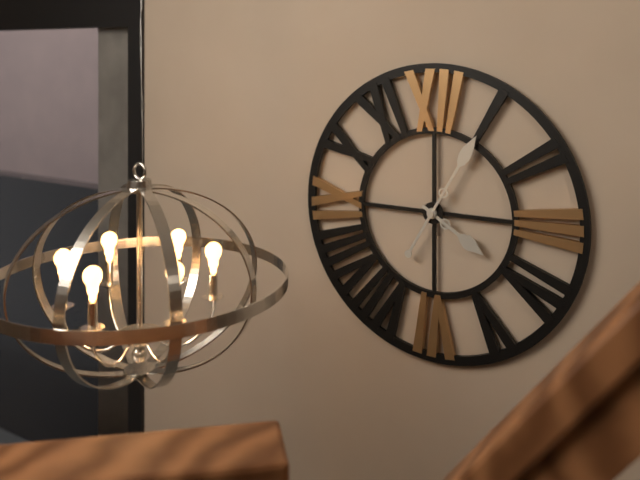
4:05
